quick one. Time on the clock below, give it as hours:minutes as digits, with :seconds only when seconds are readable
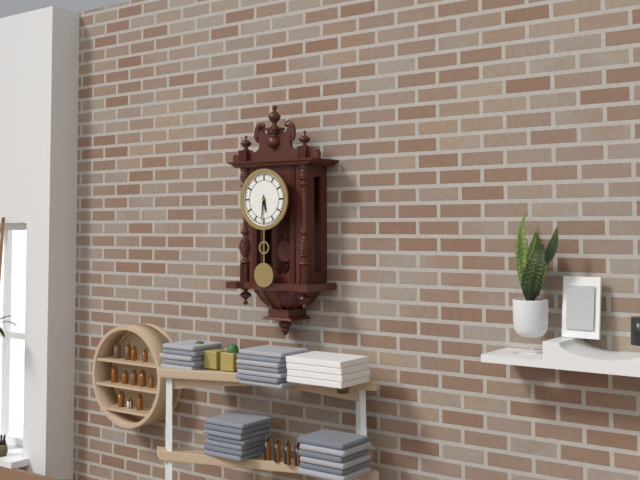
5:31
